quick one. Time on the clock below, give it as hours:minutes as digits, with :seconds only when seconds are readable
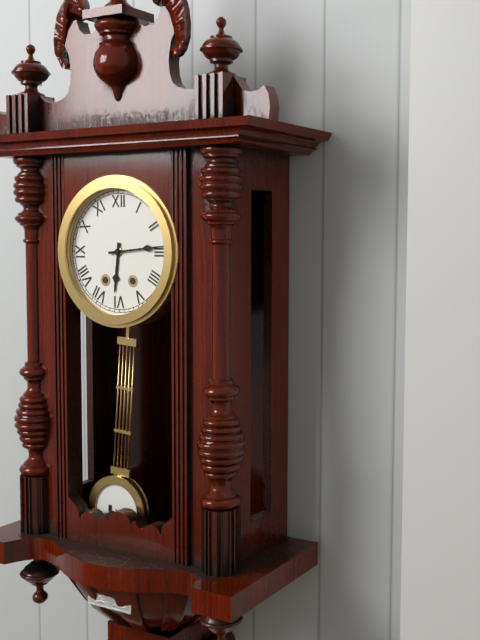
6:14
